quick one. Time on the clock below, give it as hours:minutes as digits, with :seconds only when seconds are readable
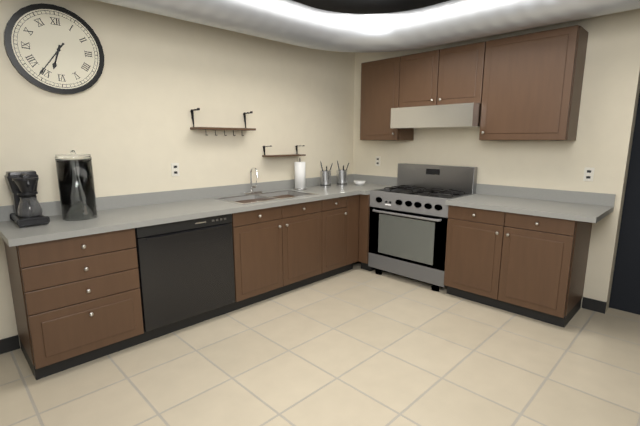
6:36
